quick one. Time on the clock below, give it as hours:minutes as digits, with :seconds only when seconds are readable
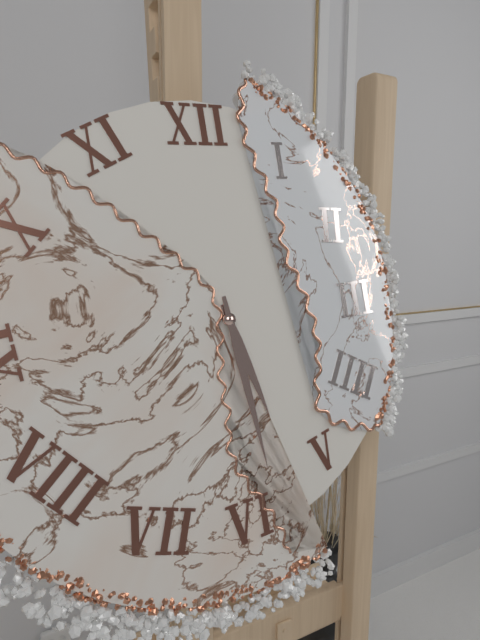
5:29
